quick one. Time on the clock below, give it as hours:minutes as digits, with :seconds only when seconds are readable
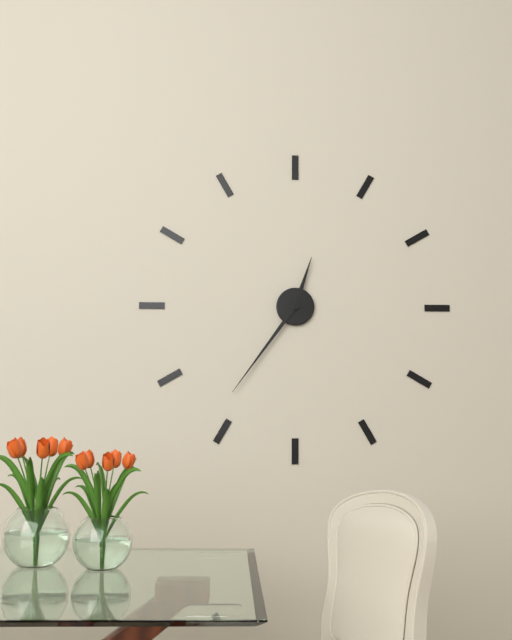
12:36
